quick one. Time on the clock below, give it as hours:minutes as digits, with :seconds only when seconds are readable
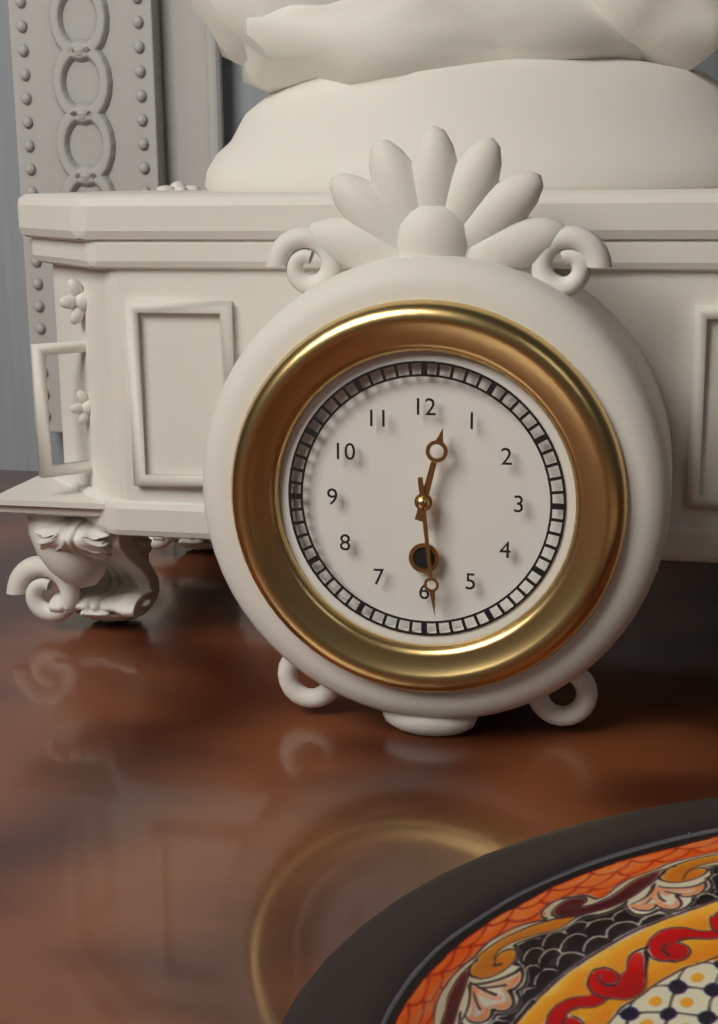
12:29
